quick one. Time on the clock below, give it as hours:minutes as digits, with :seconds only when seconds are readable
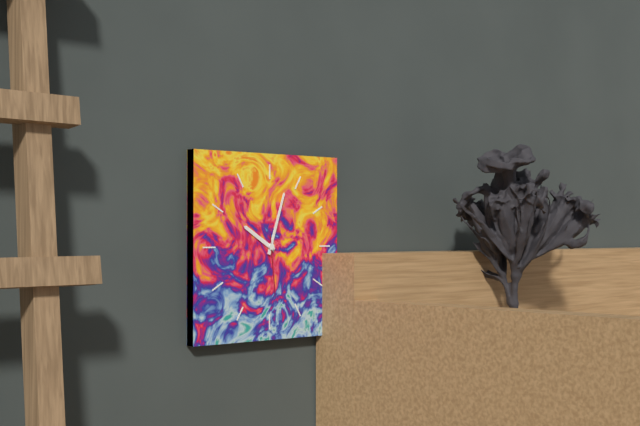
10:03:29
